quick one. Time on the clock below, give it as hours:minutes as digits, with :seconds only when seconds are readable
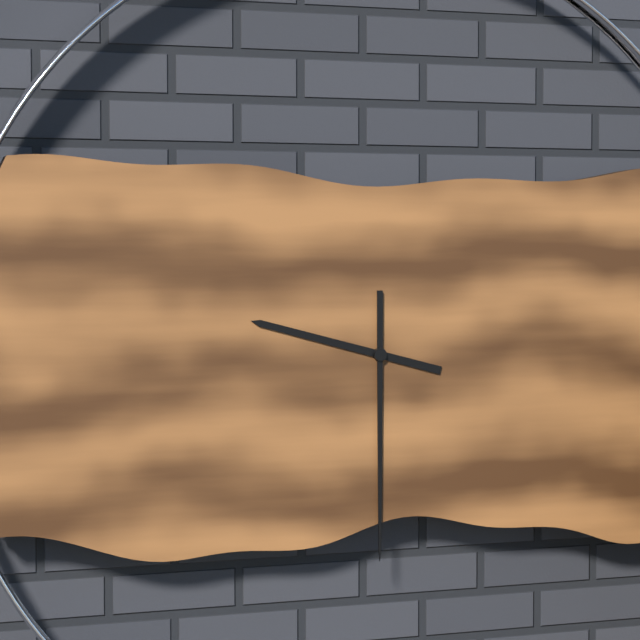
9:30
